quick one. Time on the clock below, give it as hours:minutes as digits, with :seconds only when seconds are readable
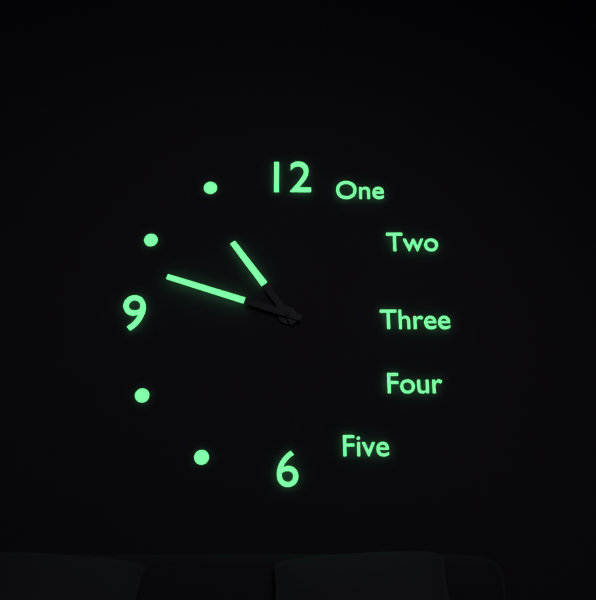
10:48
